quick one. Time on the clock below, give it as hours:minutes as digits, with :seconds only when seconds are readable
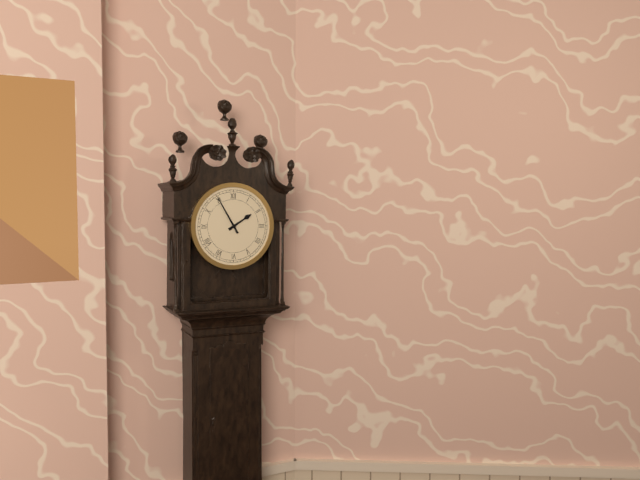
1:55
